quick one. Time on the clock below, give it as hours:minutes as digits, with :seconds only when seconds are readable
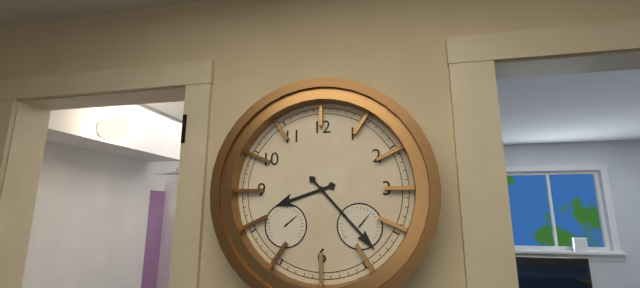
8:23
